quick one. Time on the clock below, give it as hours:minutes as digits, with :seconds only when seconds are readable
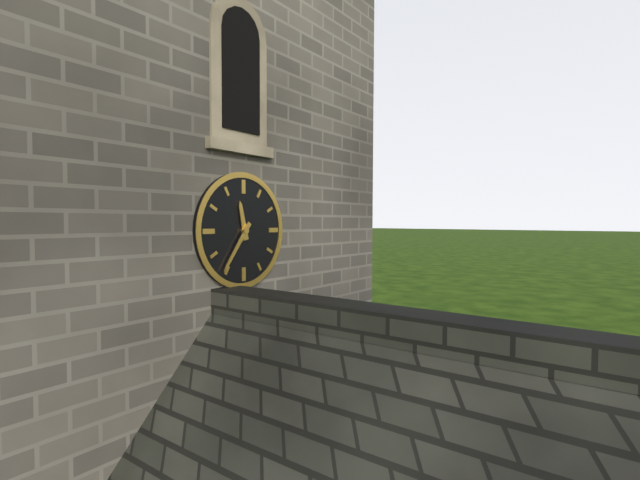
11:36
